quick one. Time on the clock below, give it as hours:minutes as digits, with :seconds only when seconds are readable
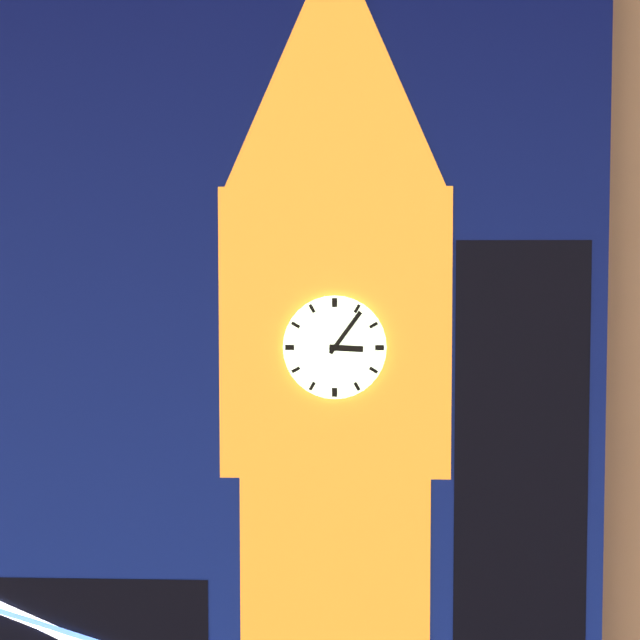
3:06
